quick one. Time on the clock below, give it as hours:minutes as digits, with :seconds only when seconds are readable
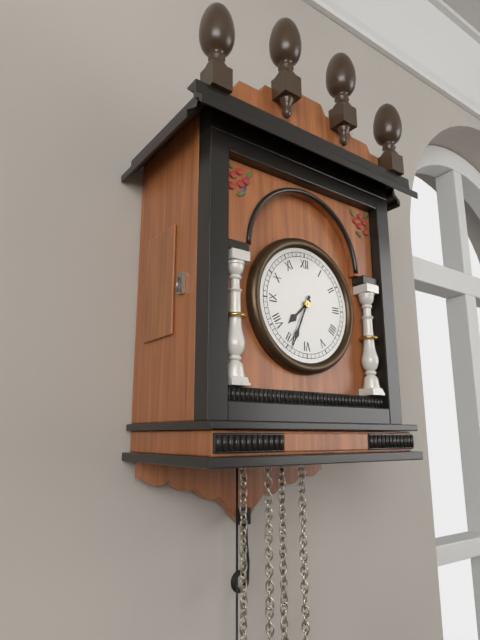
7:34
